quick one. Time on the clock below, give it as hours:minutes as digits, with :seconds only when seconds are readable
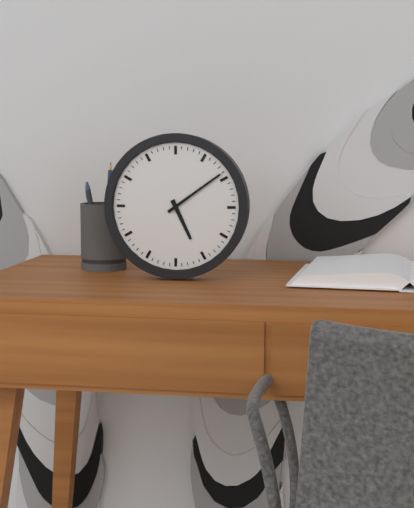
5:09
